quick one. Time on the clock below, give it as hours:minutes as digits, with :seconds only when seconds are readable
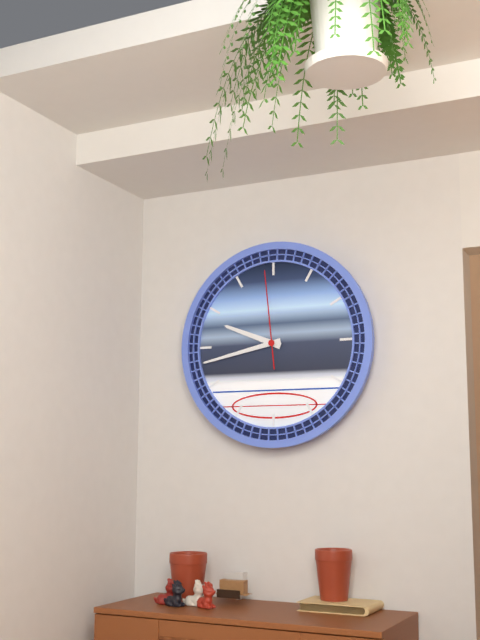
9:43:59
